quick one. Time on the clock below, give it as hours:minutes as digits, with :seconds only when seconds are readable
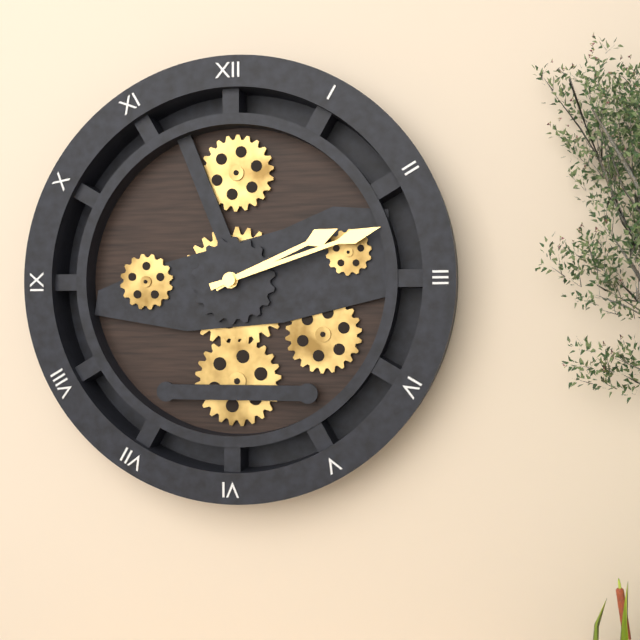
2:12
